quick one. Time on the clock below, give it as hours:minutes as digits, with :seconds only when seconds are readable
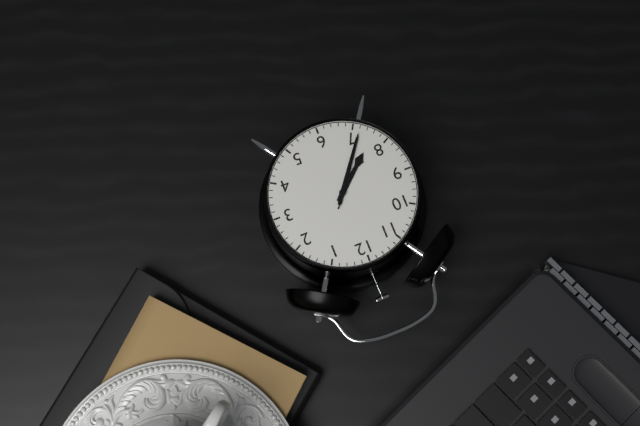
7:36:36
